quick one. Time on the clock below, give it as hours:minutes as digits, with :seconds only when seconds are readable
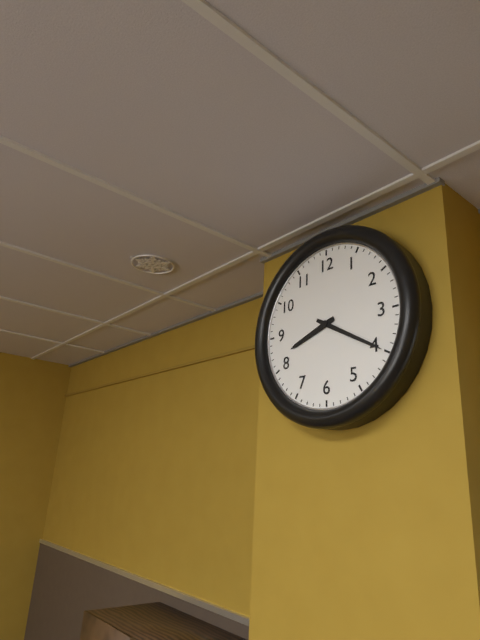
8:20
